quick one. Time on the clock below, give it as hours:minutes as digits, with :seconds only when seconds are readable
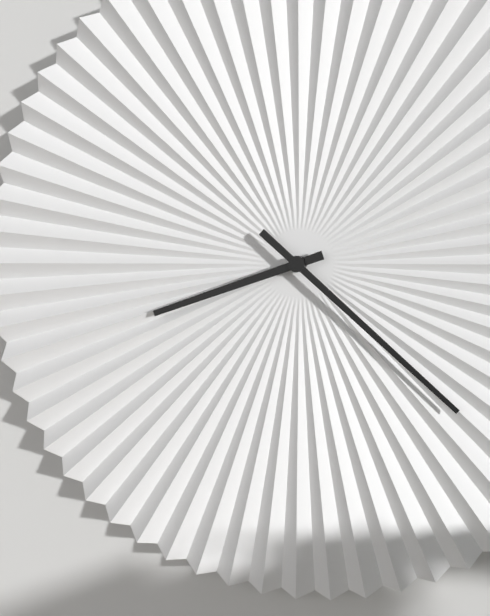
8:22
